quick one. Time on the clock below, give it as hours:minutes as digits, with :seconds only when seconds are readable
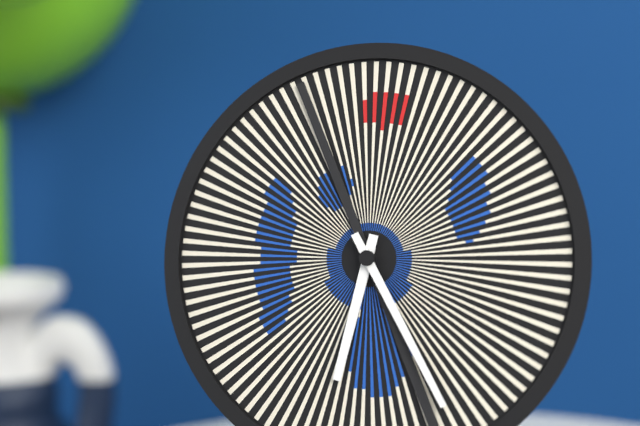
6:25
